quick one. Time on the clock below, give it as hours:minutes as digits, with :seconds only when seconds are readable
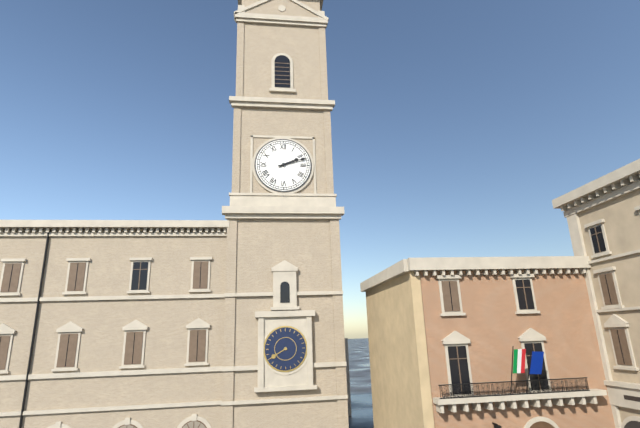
2:12
